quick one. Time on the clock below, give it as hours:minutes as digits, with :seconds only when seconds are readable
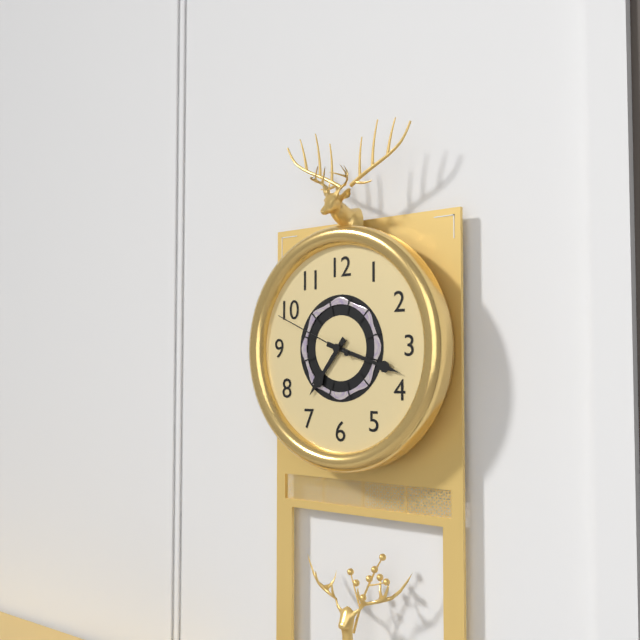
7:18:49
